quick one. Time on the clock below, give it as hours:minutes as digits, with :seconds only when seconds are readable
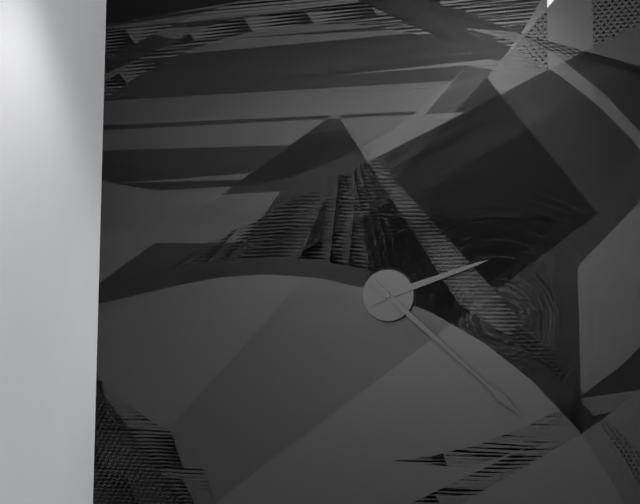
2:22
